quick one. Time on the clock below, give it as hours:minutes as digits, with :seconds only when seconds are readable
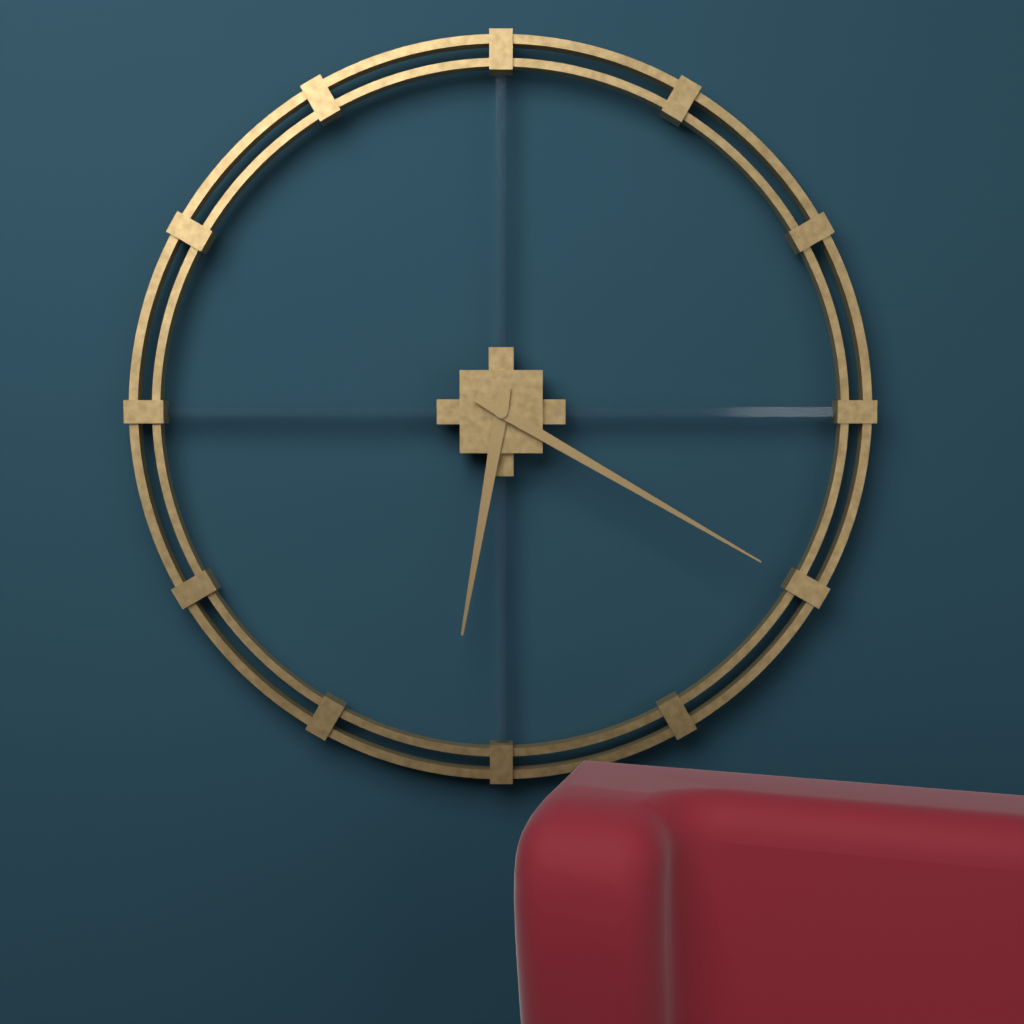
6:20
